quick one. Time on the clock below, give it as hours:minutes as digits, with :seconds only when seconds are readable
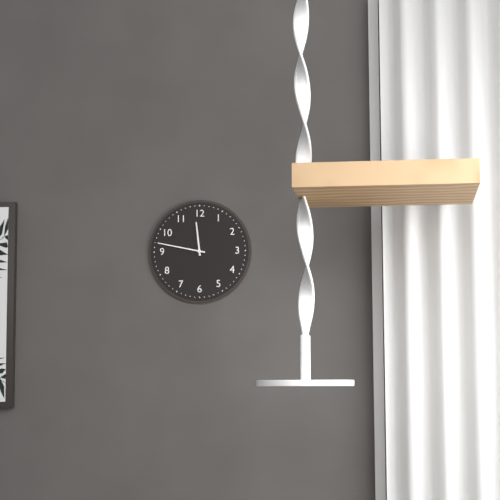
11:47
